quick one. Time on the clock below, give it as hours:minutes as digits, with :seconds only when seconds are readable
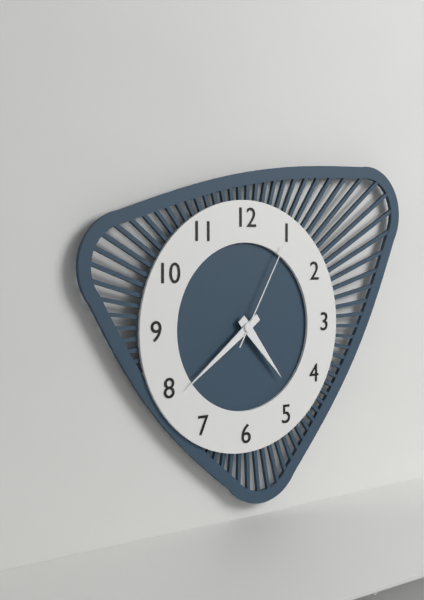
4:39:05
